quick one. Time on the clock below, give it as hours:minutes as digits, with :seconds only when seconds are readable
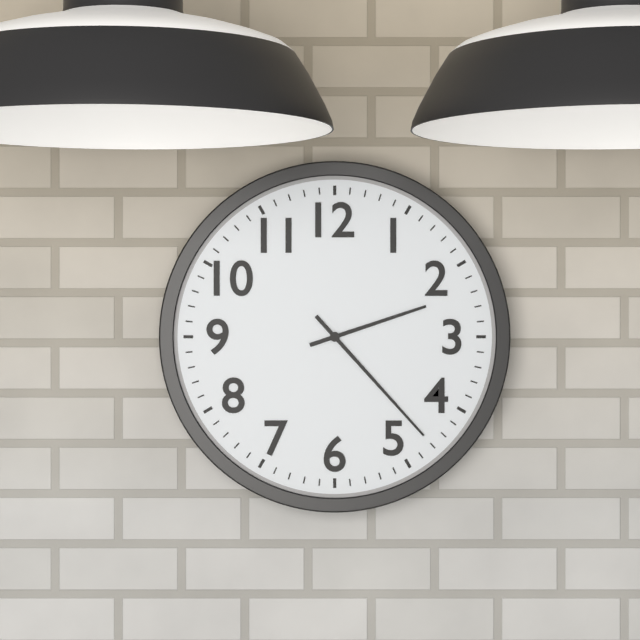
2:23
